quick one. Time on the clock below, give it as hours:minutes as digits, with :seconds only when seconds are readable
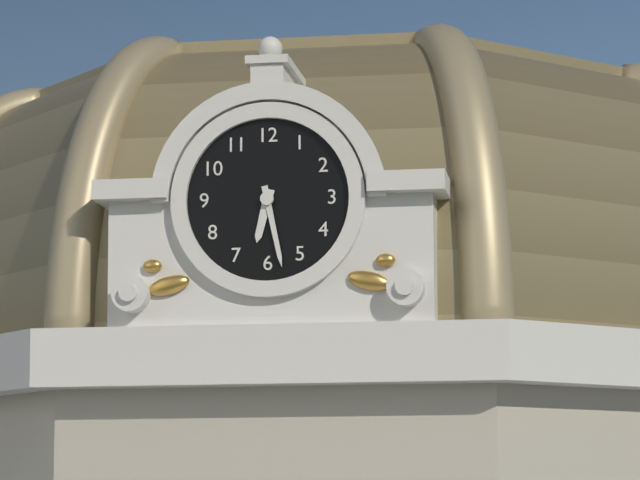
6:28
